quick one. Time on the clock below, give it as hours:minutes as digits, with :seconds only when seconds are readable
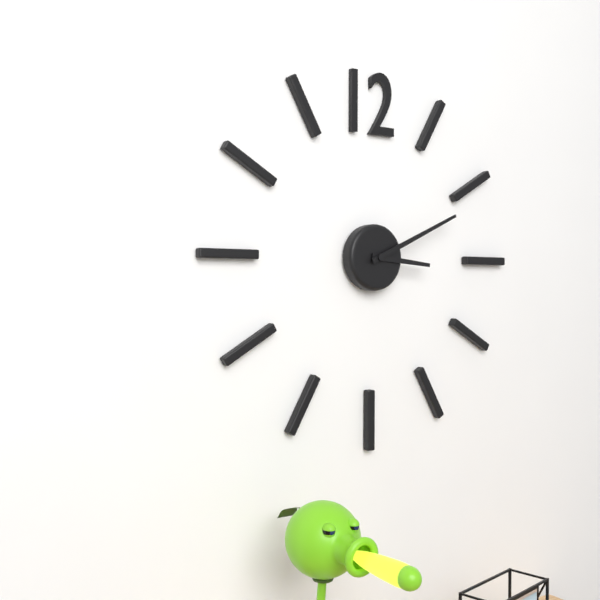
3:11
